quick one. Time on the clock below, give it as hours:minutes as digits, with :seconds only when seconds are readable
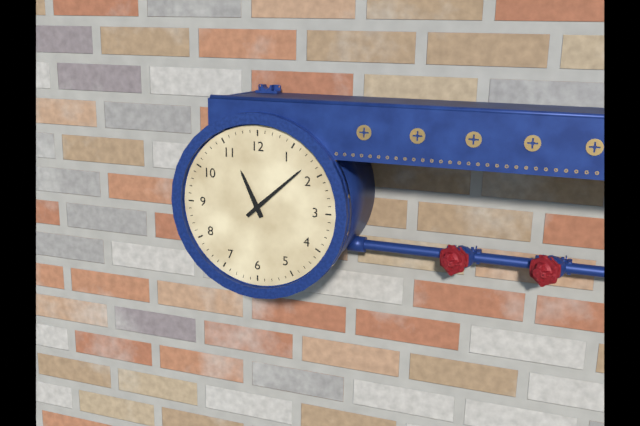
11:08
